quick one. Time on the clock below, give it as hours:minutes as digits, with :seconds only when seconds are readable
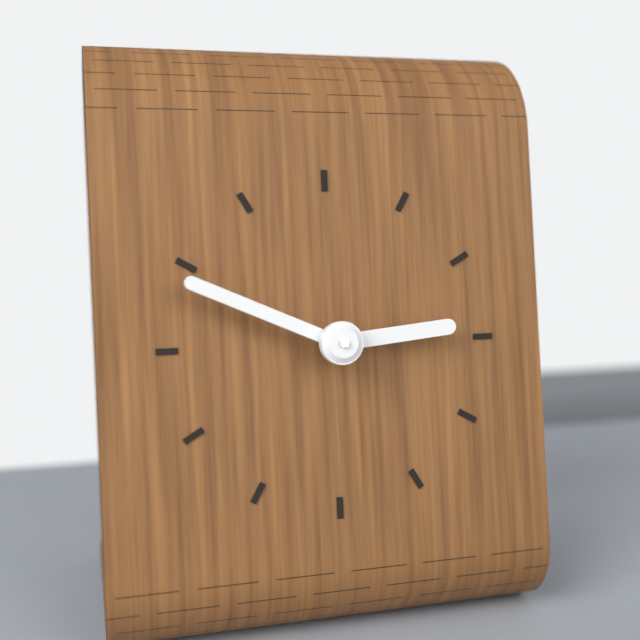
2:49
